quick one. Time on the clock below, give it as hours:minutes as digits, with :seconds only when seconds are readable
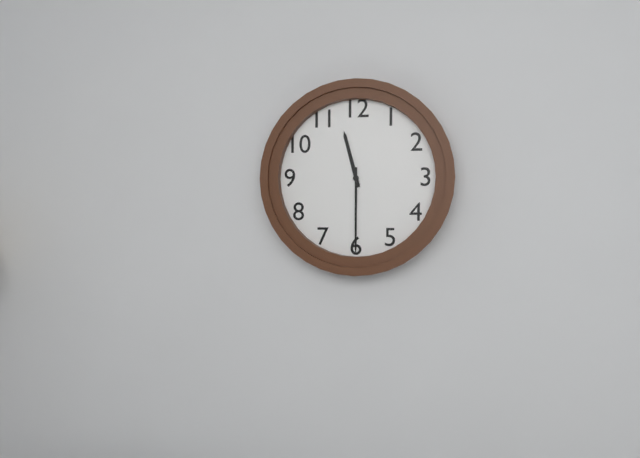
11:30
